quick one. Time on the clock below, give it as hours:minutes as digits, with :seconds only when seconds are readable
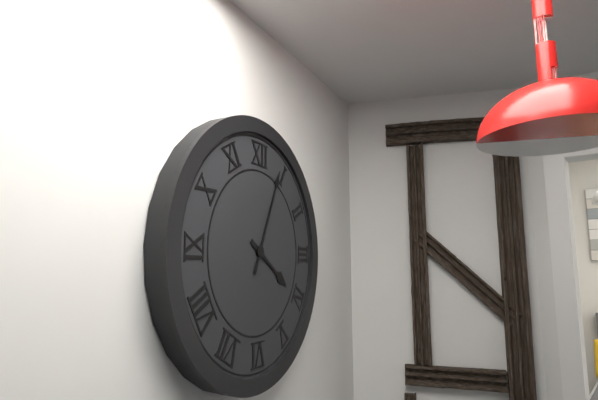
4:04
